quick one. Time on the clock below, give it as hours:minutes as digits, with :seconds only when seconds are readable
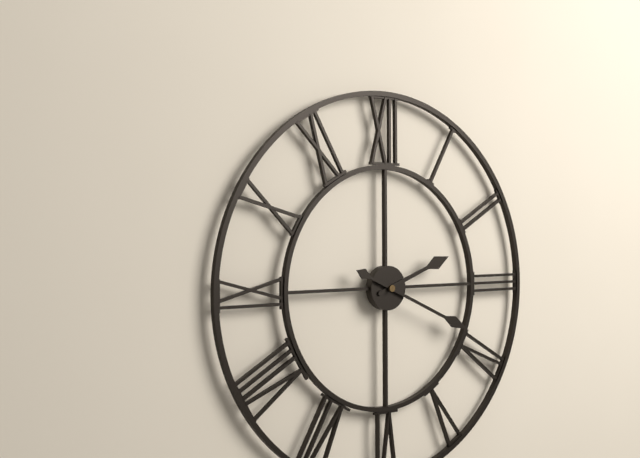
2:19
